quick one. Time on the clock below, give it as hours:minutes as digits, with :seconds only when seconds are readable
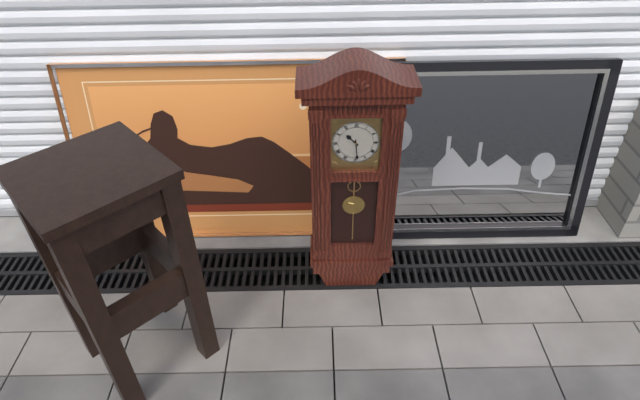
10:29
